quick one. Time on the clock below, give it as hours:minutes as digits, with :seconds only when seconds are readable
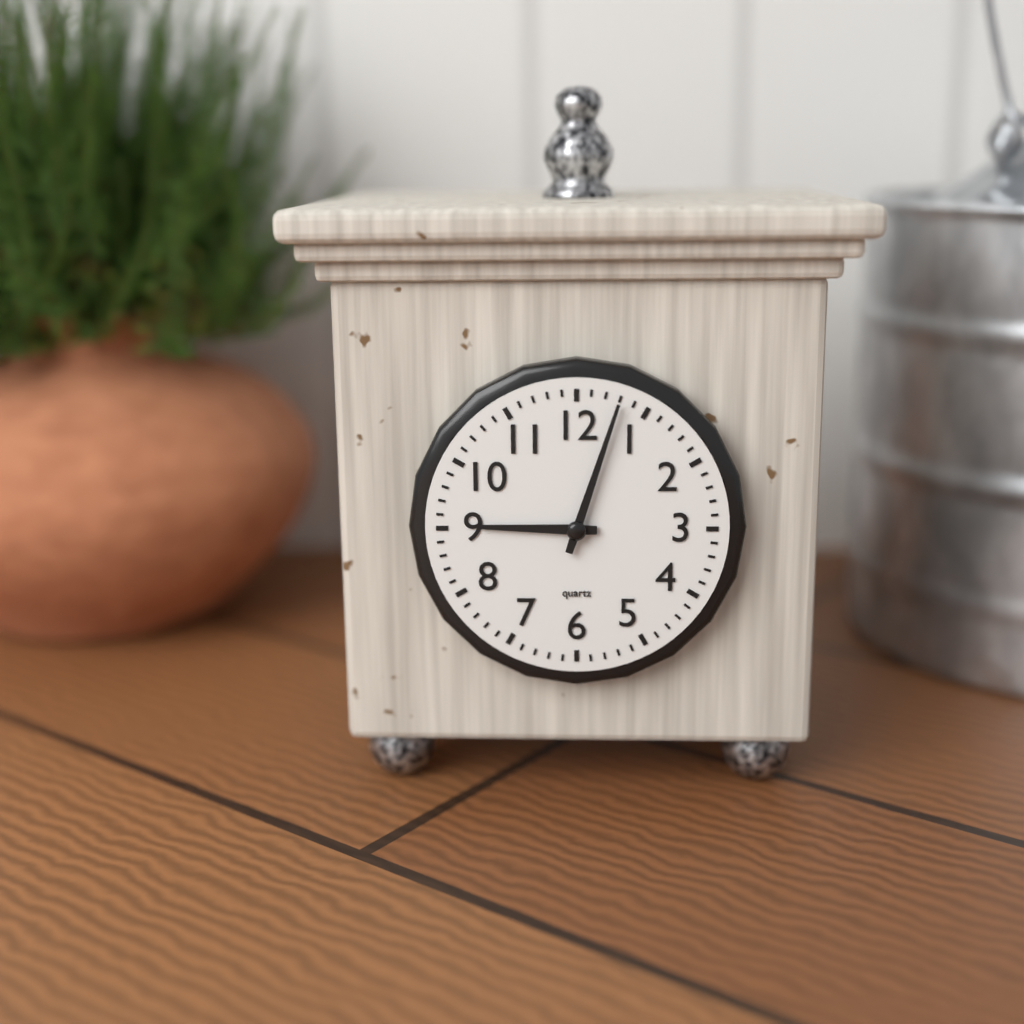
9:03
